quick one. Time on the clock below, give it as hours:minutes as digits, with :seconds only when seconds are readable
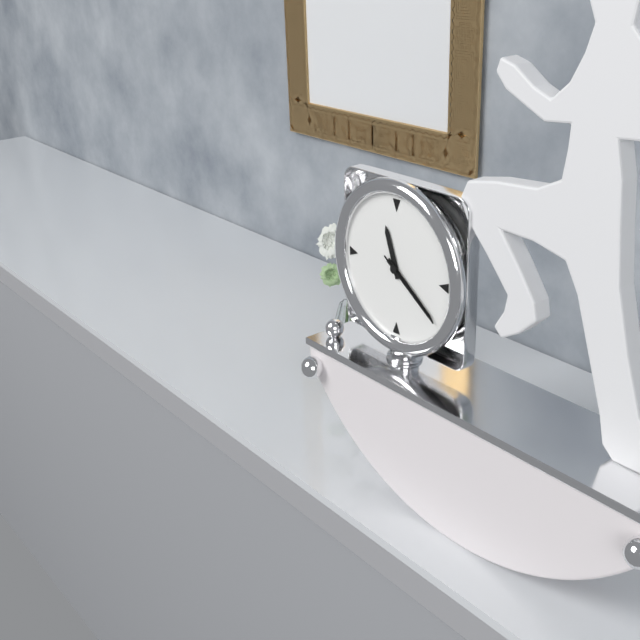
11:21:21
